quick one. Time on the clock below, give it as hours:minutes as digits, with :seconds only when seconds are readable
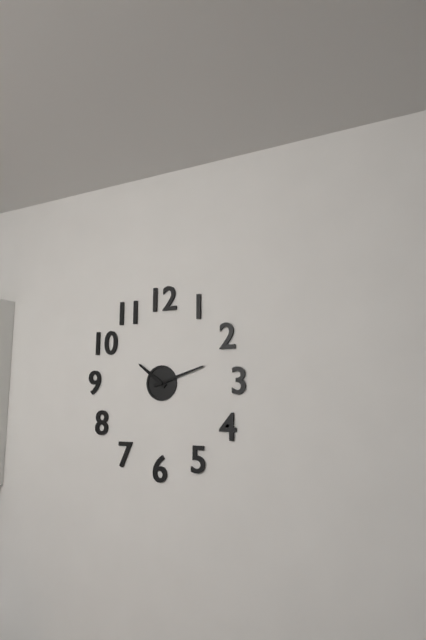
10:12
